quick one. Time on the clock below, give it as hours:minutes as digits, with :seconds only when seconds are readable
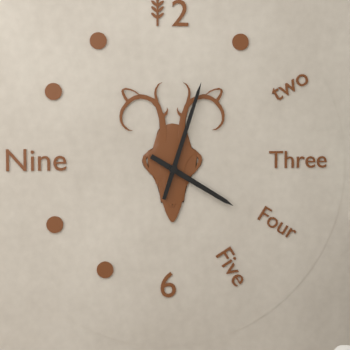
4:03
